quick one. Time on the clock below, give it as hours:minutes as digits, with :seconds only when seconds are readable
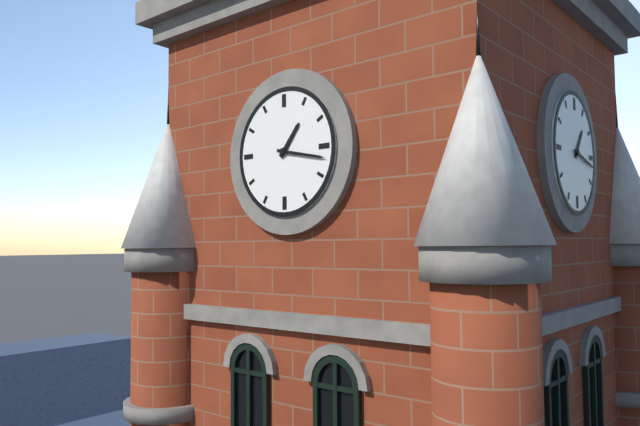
1:17
